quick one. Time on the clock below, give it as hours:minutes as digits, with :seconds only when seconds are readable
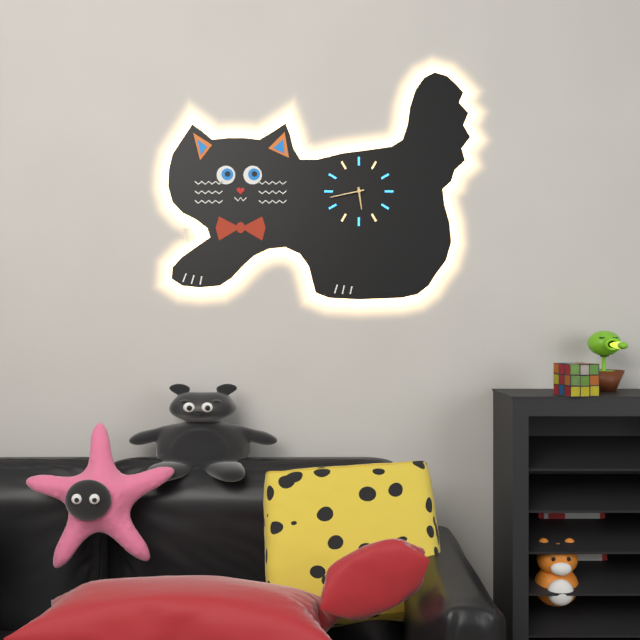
5:43
